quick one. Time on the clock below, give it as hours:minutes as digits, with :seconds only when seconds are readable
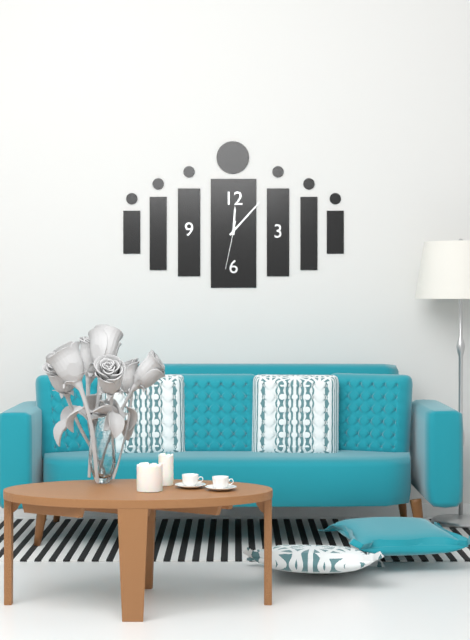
12:07
